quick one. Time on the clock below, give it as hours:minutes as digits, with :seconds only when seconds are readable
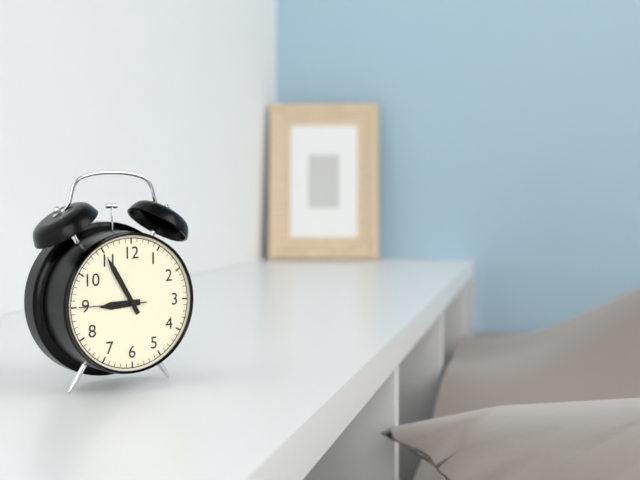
8:55:45
